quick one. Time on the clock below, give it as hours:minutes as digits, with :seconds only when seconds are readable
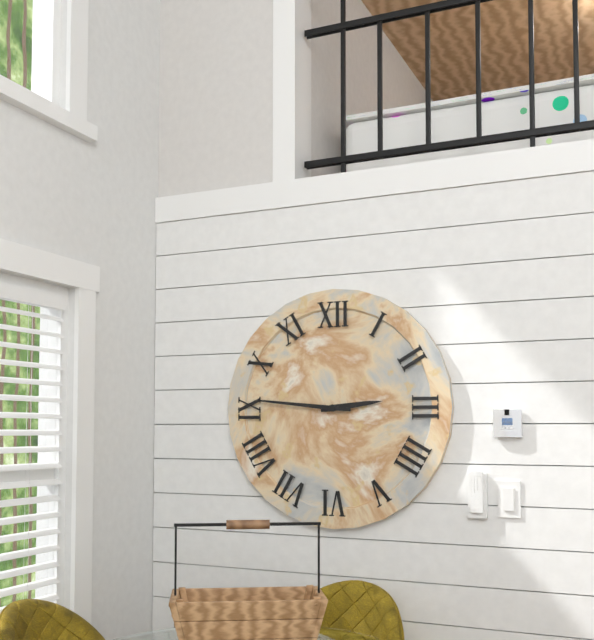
2:46
